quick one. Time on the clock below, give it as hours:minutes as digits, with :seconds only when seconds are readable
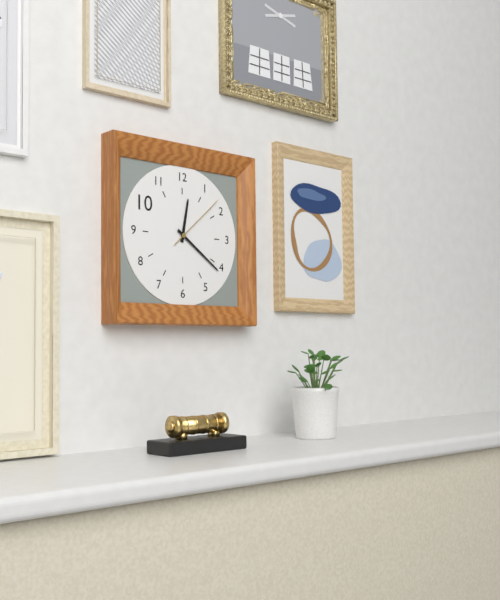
12:21:08
